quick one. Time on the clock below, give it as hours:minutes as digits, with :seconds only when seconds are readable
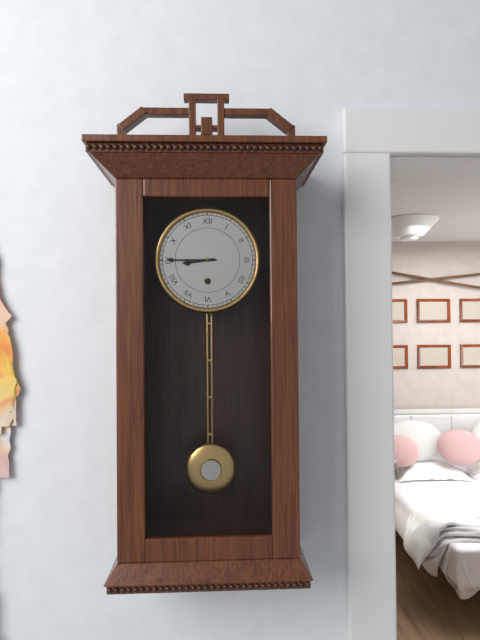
8:45
